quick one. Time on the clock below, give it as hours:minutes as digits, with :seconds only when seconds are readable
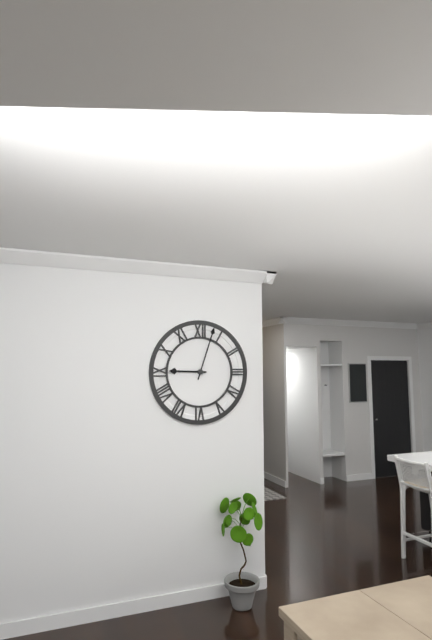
9:03
